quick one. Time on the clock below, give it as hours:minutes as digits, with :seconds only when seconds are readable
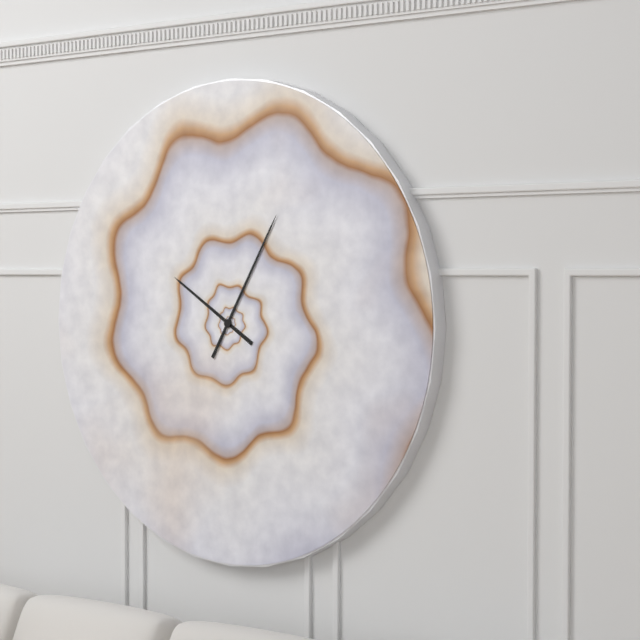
10:05
